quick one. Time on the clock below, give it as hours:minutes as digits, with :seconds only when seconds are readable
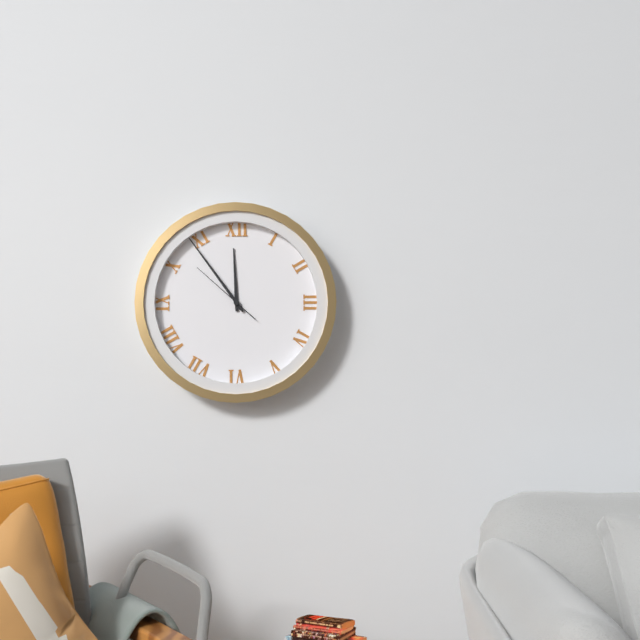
11:54:52
